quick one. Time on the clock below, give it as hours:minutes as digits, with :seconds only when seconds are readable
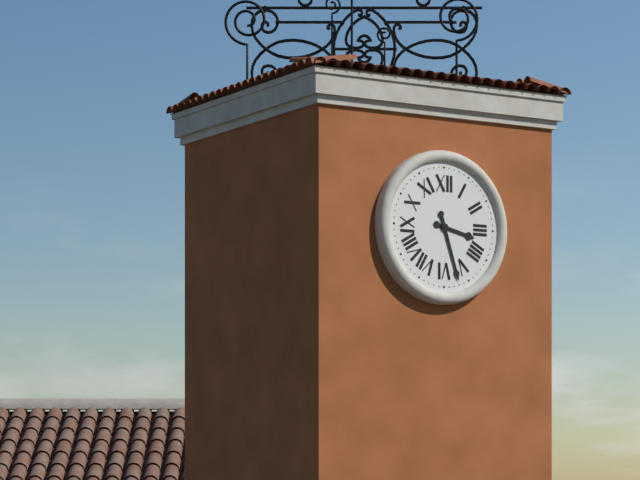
3:27
